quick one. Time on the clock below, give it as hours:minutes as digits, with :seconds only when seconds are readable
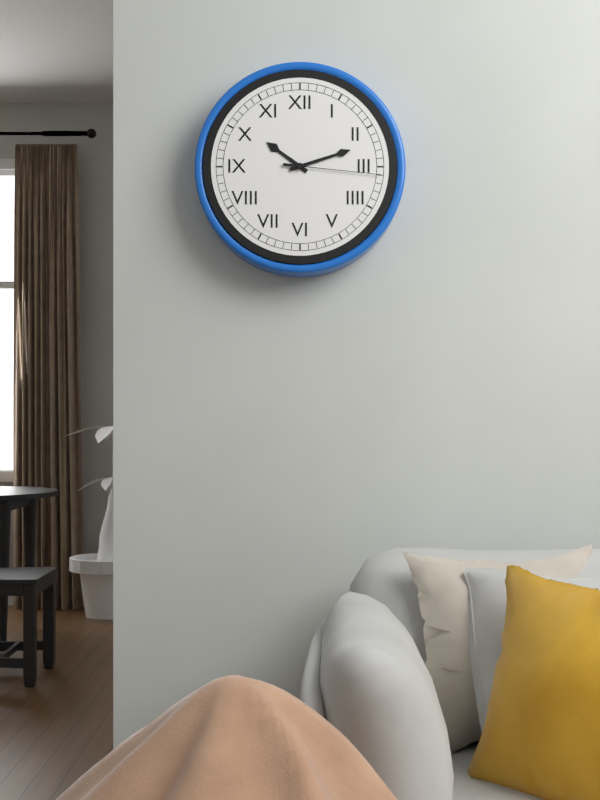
10:12:16
